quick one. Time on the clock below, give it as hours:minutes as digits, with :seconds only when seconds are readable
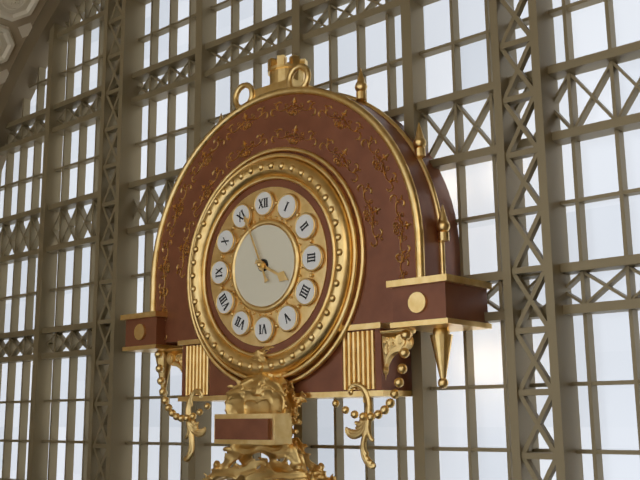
3:56
